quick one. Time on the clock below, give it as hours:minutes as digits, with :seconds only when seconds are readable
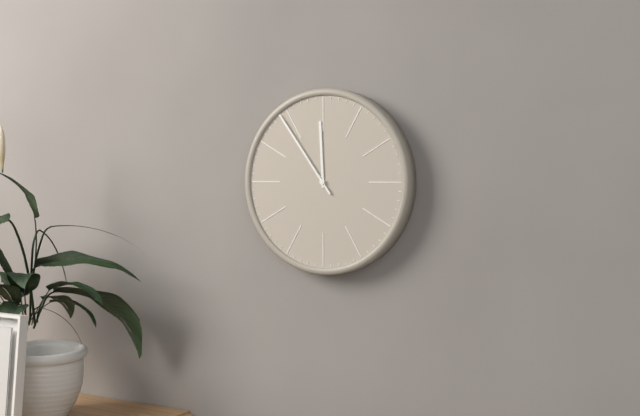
11:54
